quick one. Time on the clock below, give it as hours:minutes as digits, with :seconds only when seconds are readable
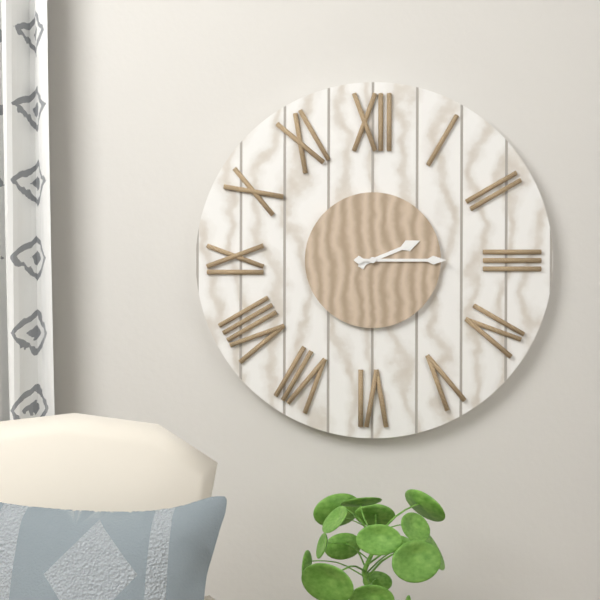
2:15
